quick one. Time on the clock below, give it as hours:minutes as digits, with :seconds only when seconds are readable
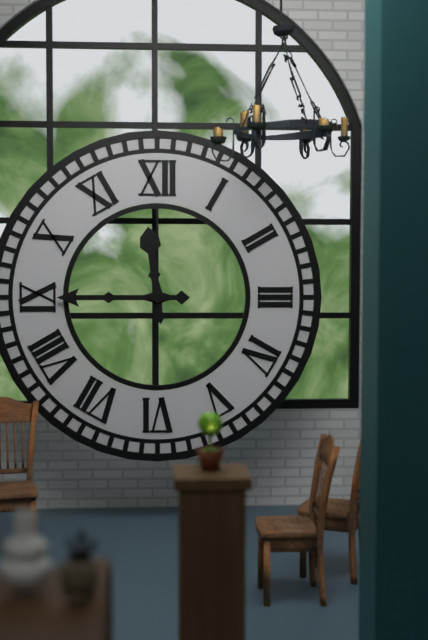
11:45
